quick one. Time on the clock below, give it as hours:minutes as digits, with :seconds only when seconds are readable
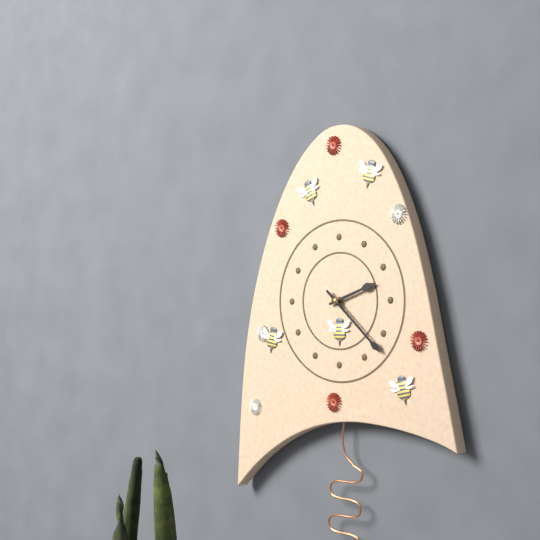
2:22
